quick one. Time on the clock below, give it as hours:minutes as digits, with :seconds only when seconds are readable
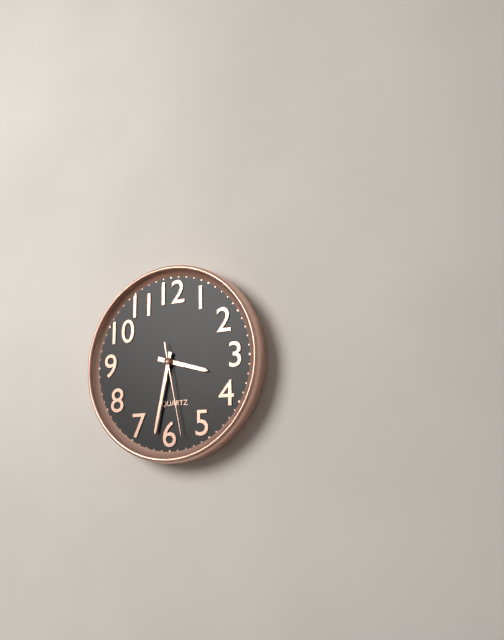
3:32:28
